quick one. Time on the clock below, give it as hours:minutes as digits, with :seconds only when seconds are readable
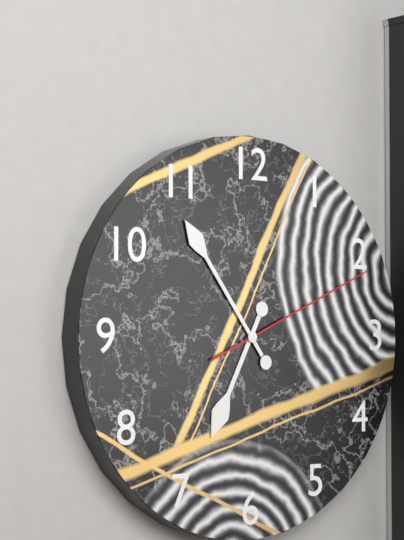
6:54:11
